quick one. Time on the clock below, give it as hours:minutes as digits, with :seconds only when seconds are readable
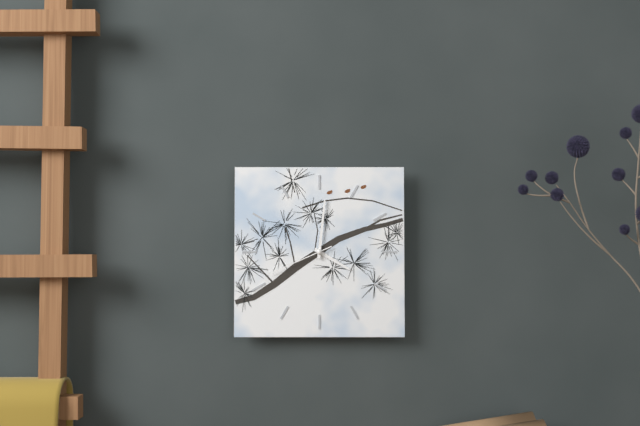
4:01:41
